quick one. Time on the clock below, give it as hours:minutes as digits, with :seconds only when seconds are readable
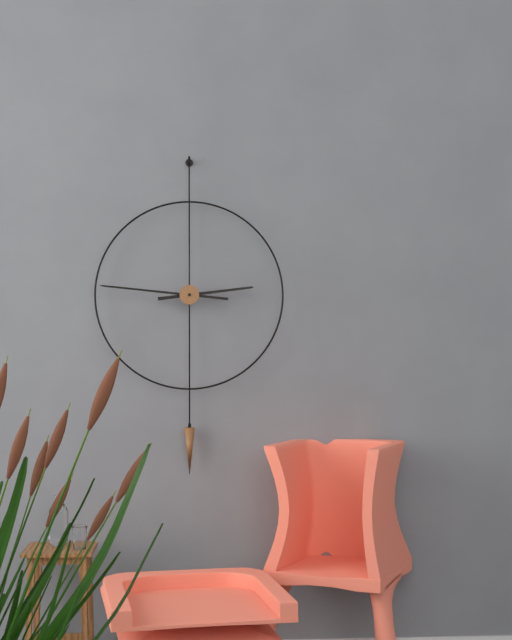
2:46
